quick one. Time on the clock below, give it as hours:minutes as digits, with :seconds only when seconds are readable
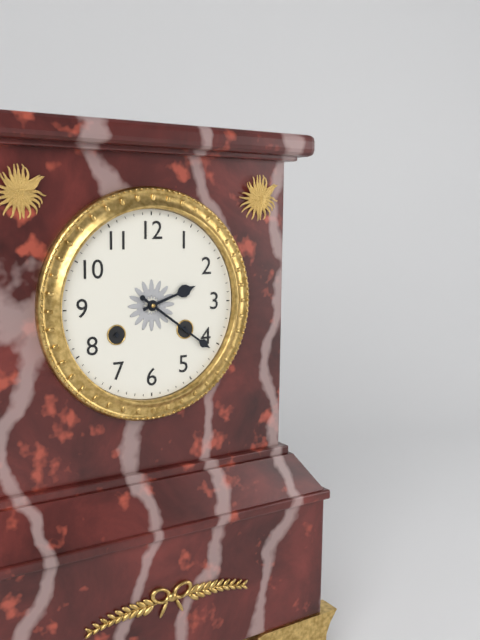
2:21
